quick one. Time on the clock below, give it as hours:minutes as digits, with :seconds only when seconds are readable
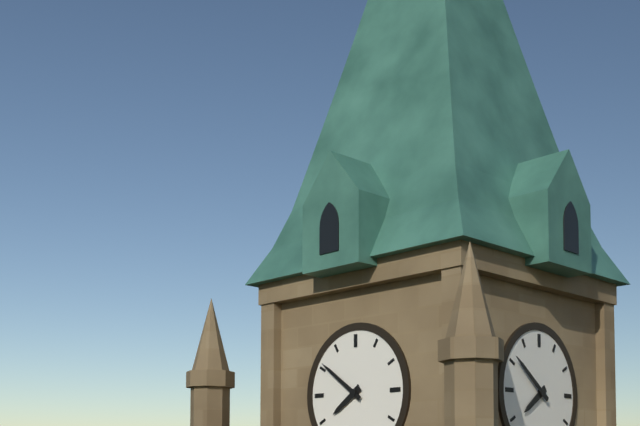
7:51
